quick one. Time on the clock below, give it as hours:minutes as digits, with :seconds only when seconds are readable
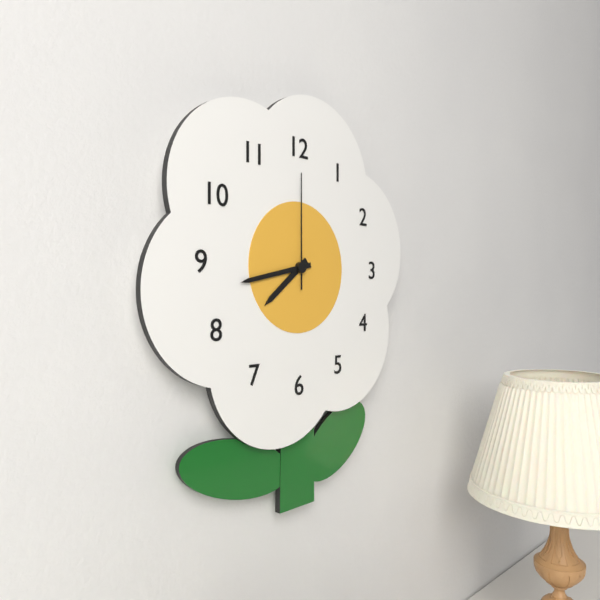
7:43:00
